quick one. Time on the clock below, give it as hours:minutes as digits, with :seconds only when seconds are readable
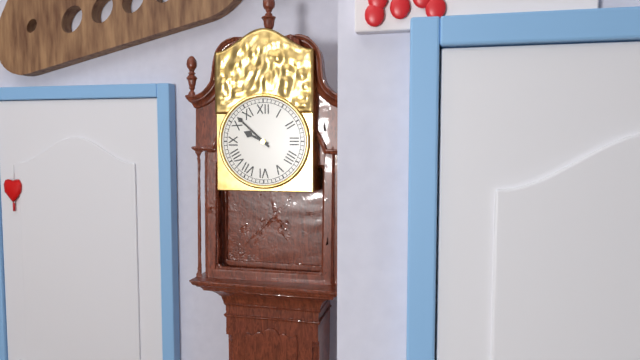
9:52
